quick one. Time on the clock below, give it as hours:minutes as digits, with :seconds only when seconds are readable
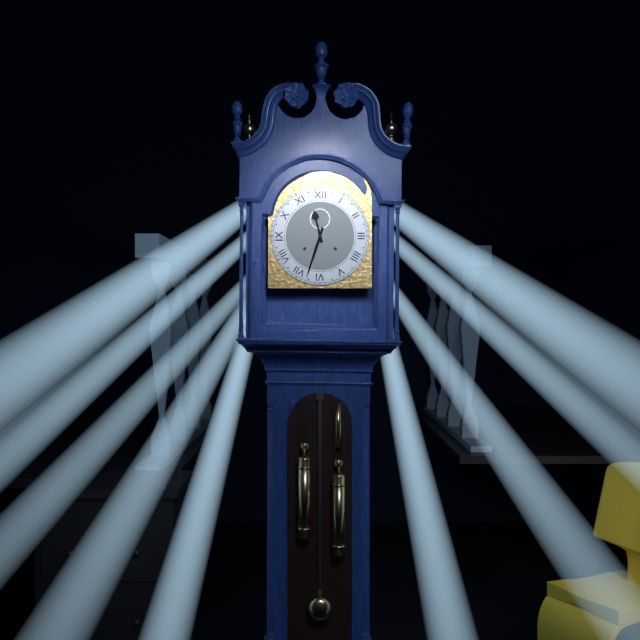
11:33
